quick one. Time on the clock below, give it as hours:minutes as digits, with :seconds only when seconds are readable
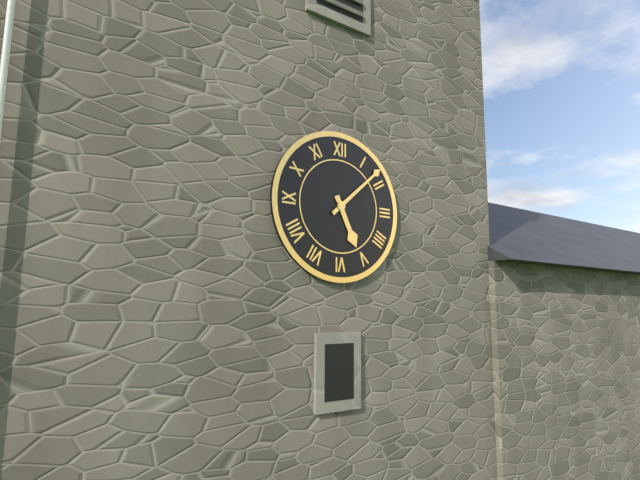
5:08
